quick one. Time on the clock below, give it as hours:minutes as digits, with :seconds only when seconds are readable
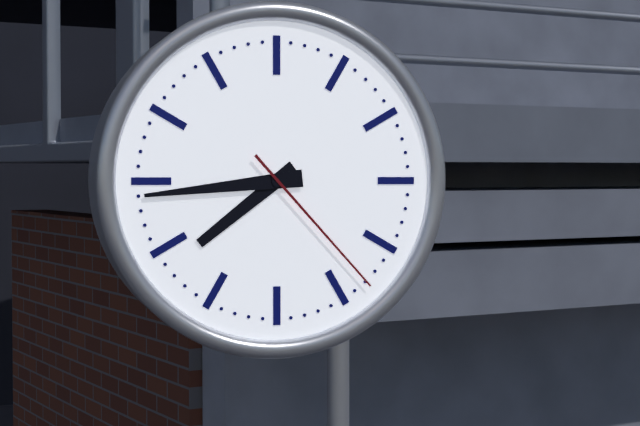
7:44:23
